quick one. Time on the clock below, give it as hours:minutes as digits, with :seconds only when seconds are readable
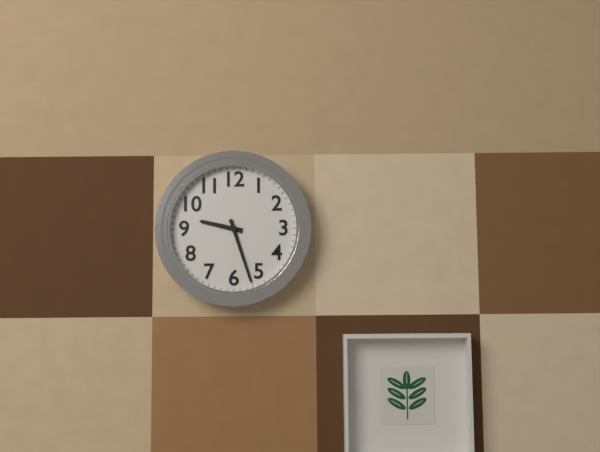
9:27
